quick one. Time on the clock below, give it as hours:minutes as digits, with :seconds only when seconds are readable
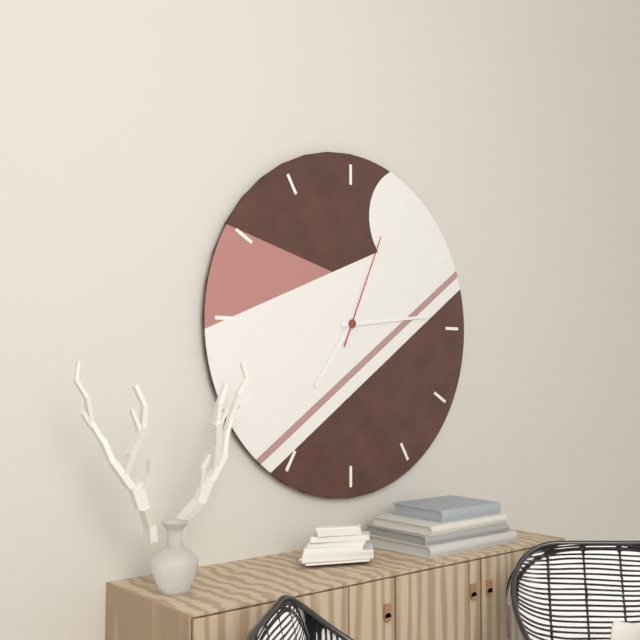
7:14:04
